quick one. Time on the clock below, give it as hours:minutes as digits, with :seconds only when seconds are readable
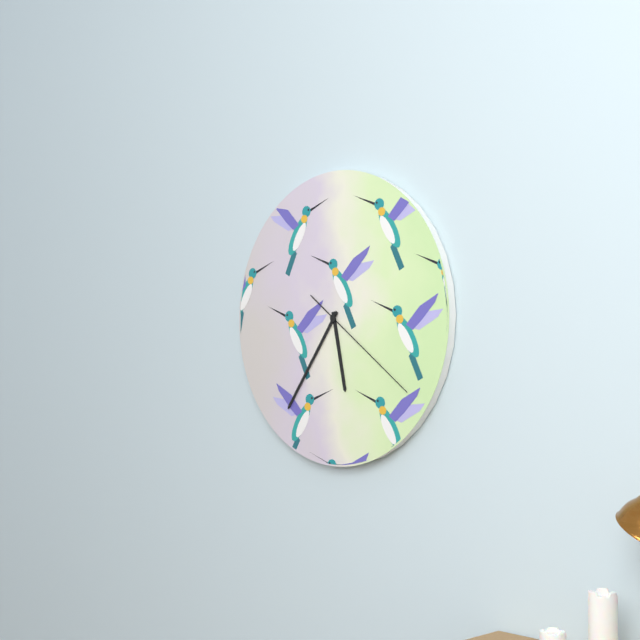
5:36:21
